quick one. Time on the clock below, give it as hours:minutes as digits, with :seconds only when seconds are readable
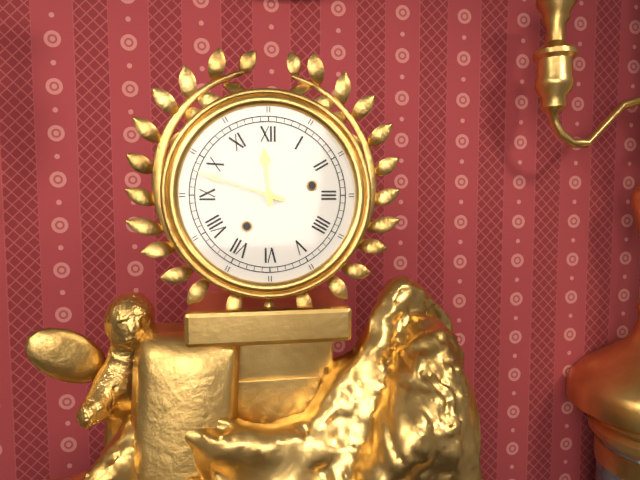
11:48
